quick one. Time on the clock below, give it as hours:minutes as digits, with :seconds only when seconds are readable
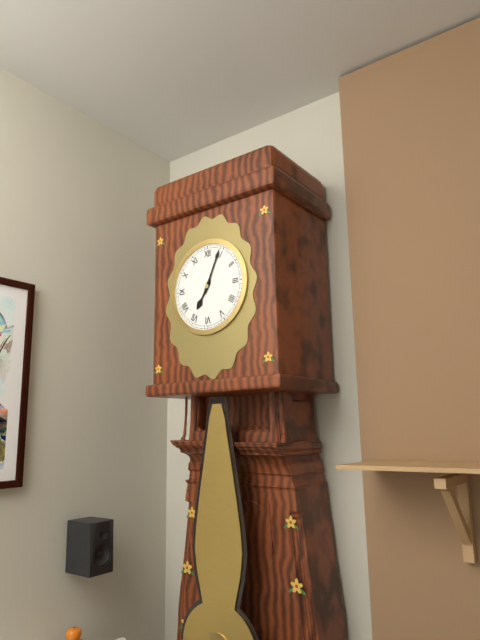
7:04
